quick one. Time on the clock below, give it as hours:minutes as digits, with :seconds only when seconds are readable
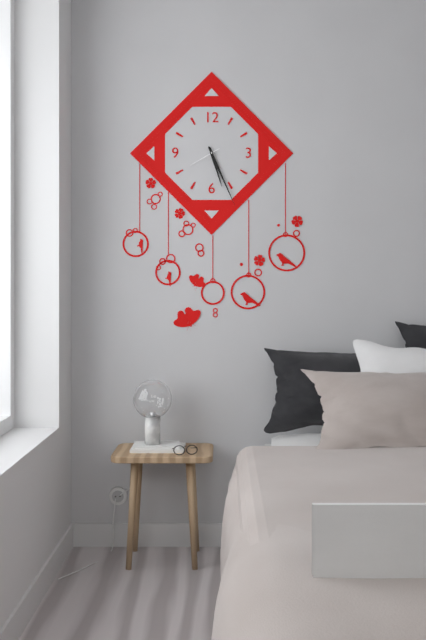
5:26
